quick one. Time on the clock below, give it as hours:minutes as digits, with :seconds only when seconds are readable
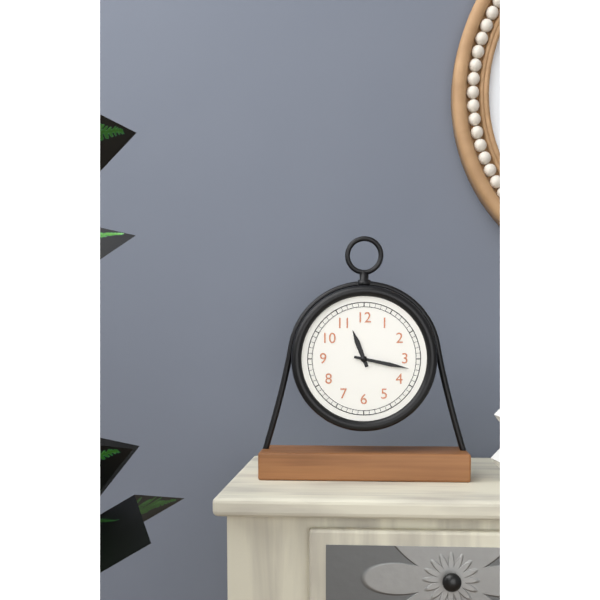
11:17
